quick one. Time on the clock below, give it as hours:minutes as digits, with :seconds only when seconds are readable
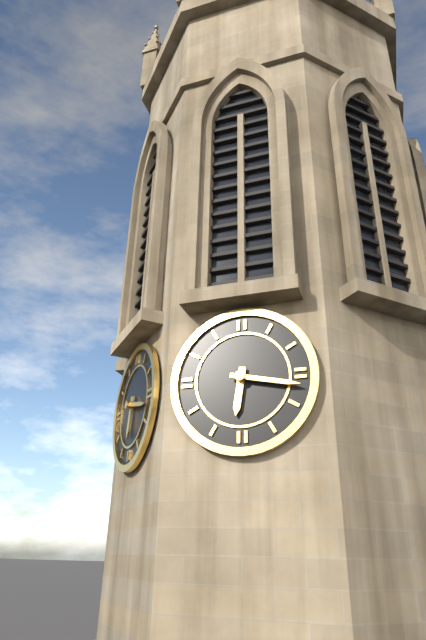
6:17
